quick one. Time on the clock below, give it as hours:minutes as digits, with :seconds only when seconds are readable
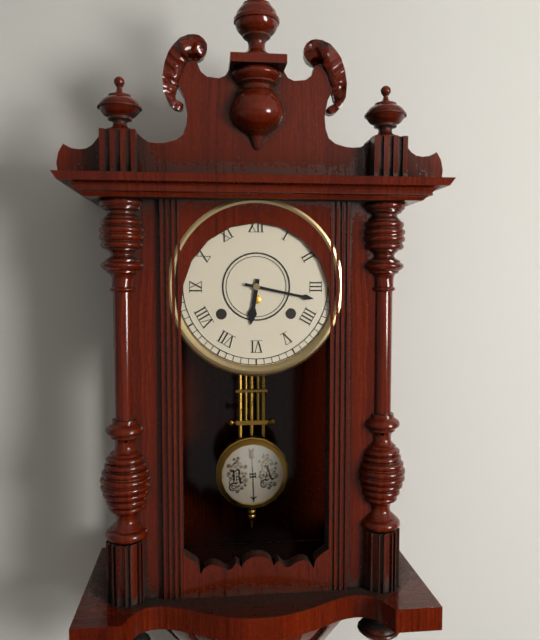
6:17
